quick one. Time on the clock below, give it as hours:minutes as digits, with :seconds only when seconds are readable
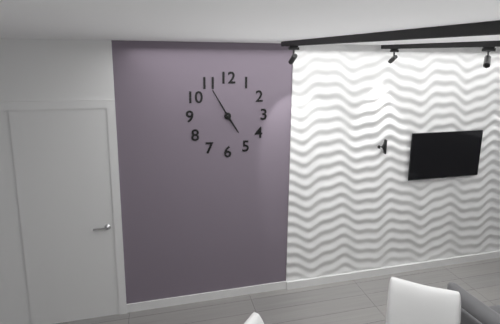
4:55
